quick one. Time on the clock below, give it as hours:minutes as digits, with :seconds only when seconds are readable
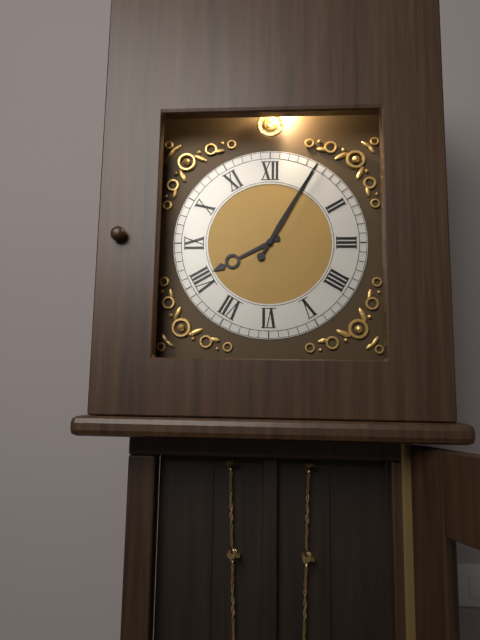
8:05
